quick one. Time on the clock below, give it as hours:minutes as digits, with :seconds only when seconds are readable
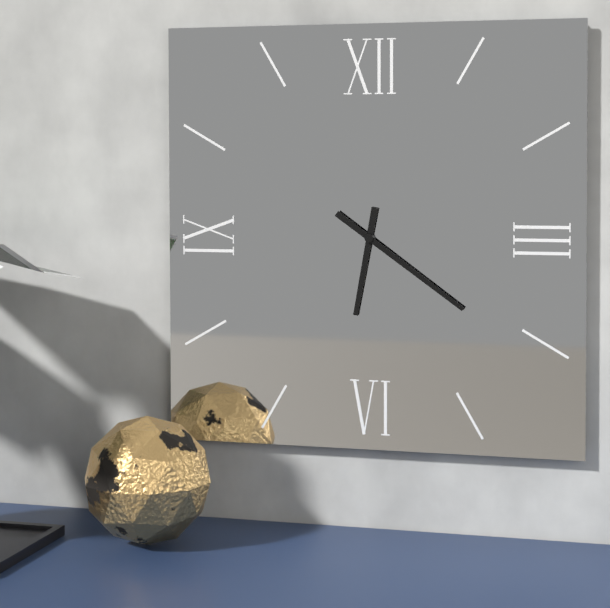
6:21
